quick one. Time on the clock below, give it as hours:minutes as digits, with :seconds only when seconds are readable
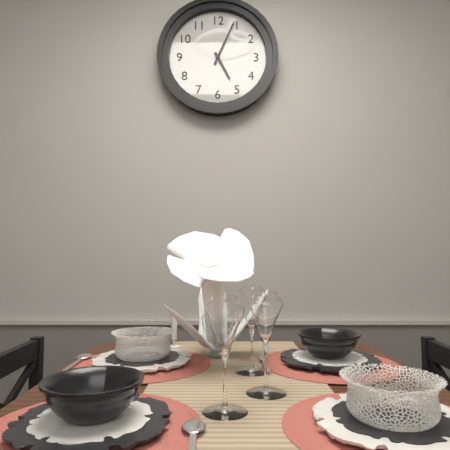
5:04
